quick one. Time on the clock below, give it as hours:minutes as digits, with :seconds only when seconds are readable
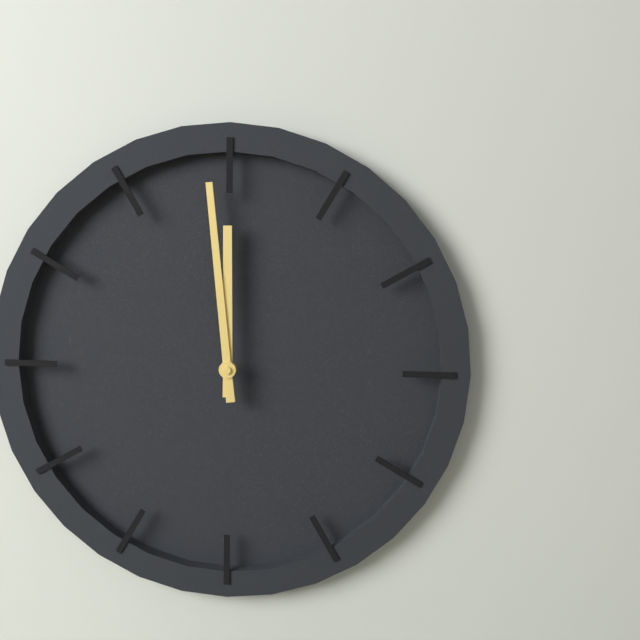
11:59
